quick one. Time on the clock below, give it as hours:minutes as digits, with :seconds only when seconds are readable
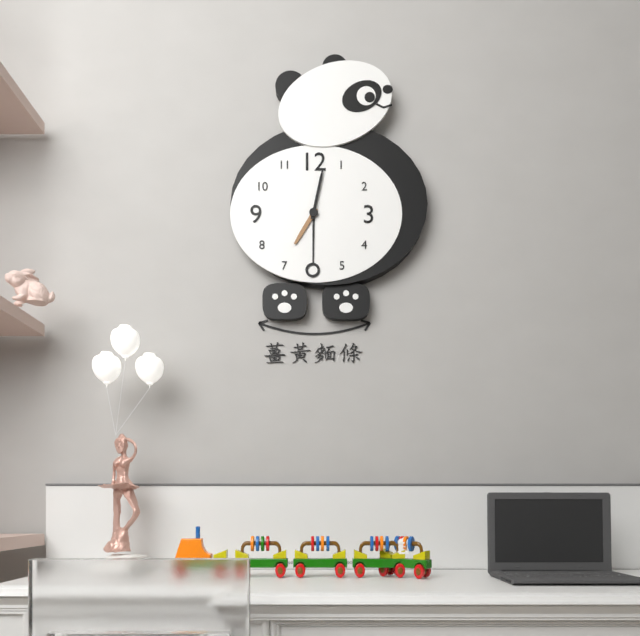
7:02
